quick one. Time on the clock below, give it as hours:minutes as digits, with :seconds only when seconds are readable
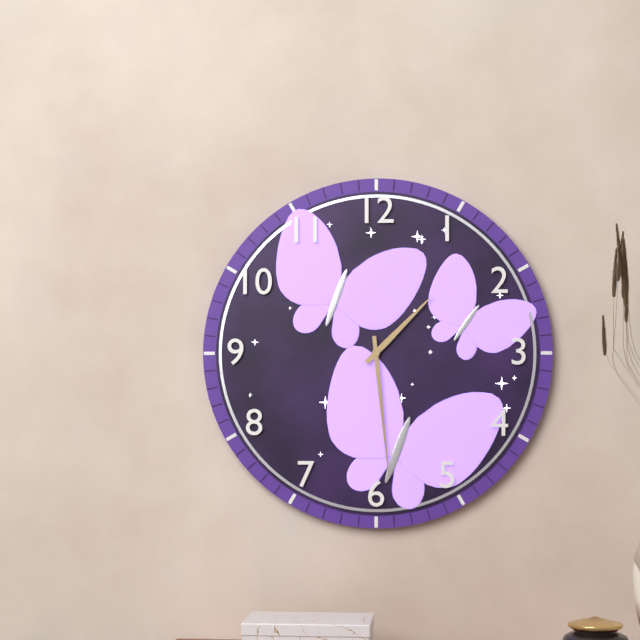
1:29
